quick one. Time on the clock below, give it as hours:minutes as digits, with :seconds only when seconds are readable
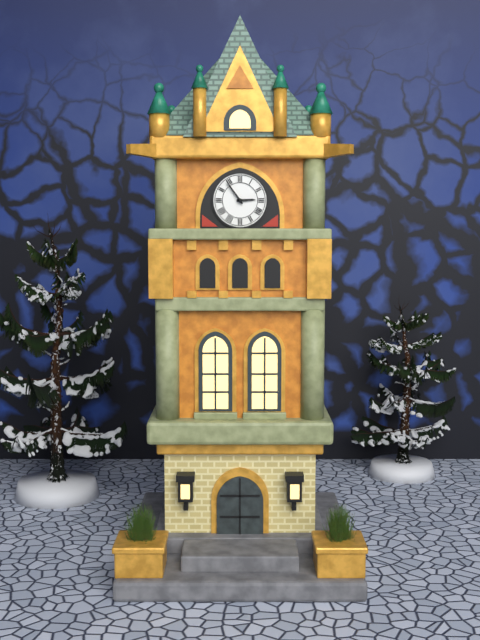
2:54
